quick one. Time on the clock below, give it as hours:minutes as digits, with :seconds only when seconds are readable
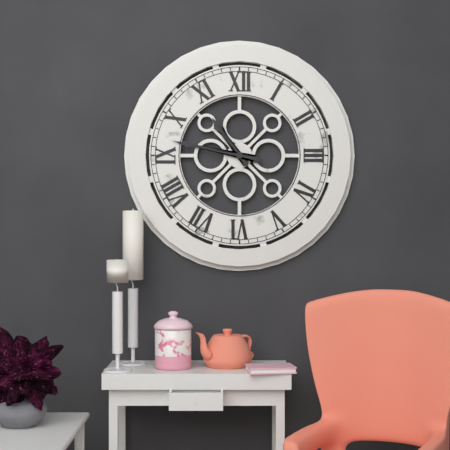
10:47
